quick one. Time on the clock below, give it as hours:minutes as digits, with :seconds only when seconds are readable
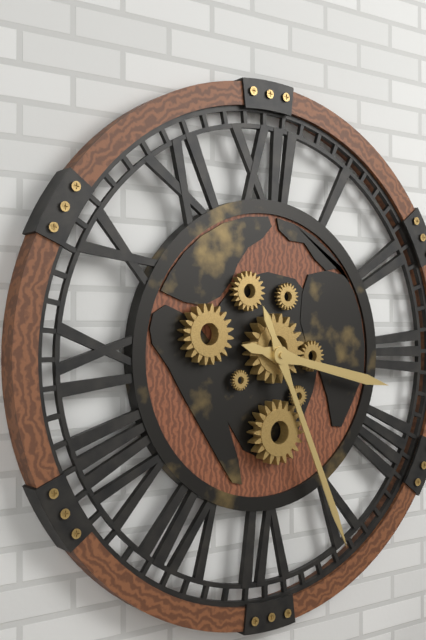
3:26
